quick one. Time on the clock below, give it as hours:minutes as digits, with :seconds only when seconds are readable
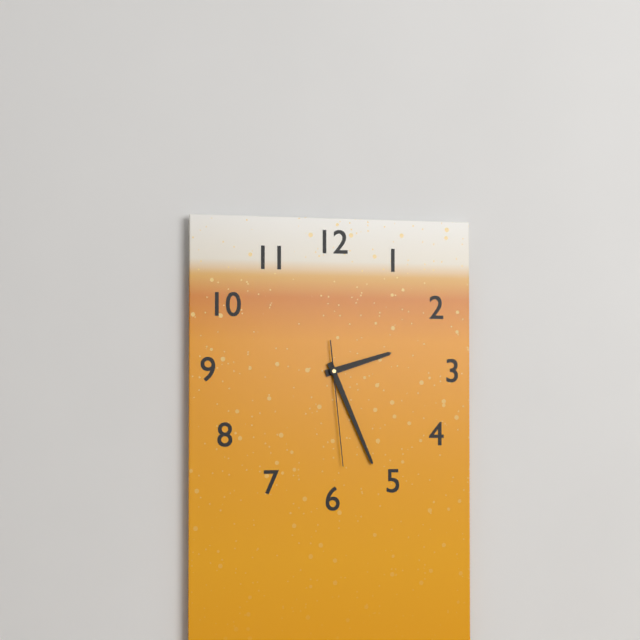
2:26:29
